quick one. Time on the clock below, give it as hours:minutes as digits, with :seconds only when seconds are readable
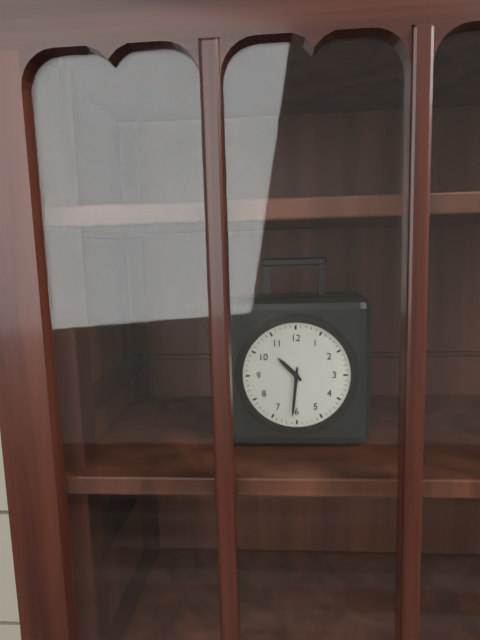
10:31
